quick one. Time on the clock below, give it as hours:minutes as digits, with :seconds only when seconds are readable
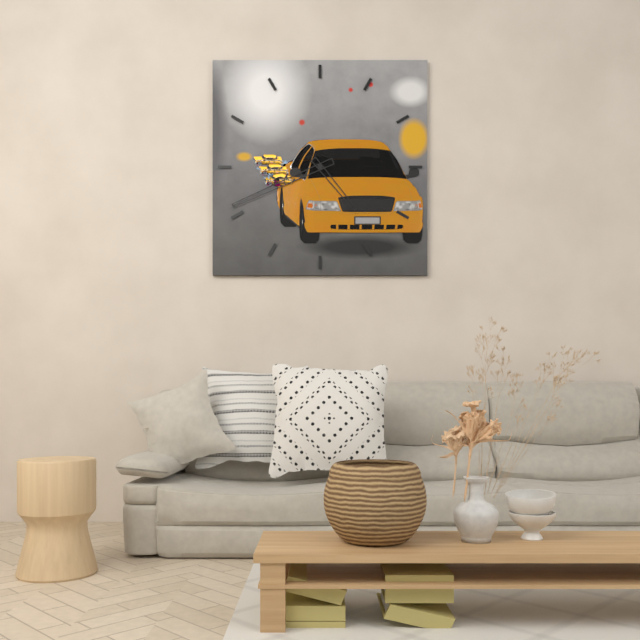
4:41
